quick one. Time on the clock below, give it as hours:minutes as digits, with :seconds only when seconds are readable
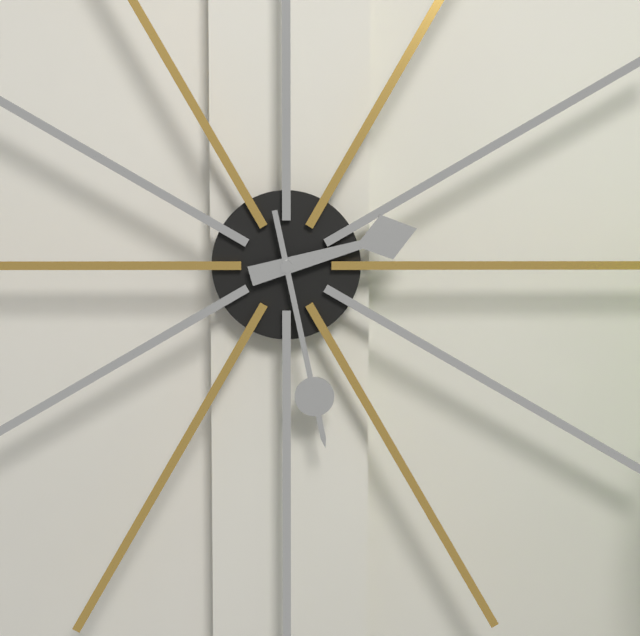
2:28
